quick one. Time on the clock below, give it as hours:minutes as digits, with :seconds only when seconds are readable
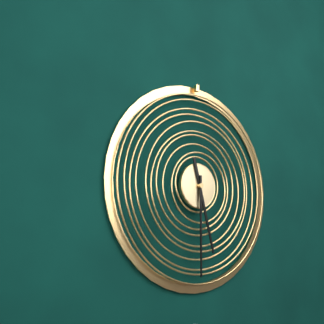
5:30
